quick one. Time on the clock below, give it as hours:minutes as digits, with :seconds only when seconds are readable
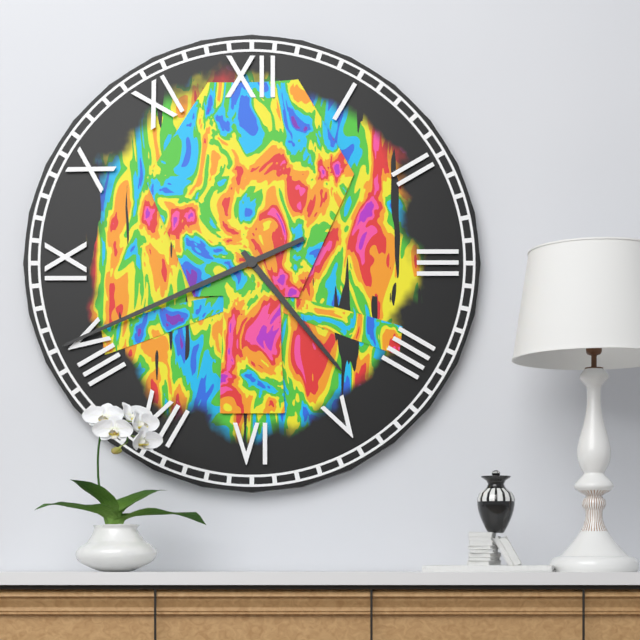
4:41
